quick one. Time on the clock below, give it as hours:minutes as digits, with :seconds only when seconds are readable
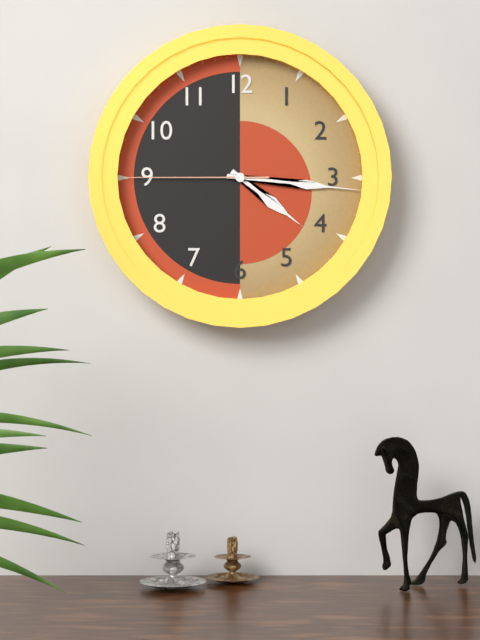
4:16:45
